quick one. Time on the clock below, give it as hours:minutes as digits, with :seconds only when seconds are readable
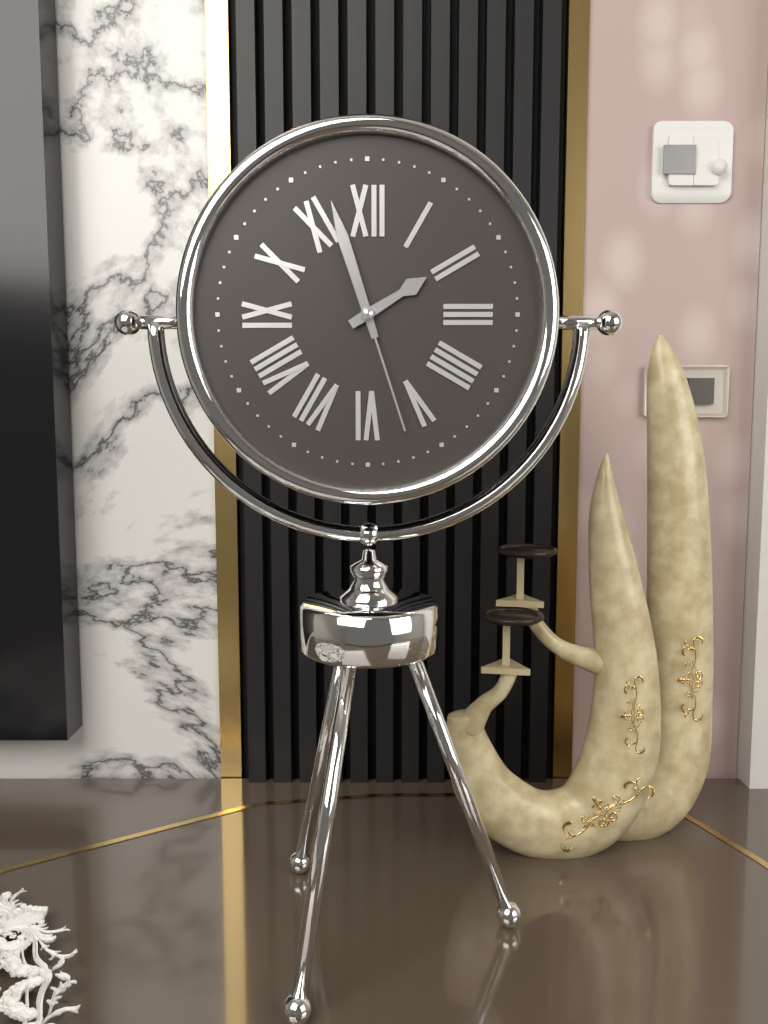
1:57:27
